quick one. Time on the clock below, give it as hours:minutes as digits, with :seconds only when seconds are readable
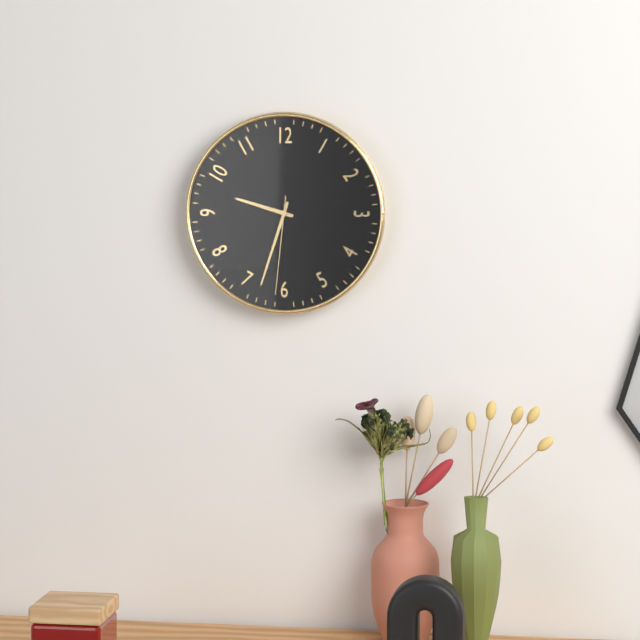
9:33:31
